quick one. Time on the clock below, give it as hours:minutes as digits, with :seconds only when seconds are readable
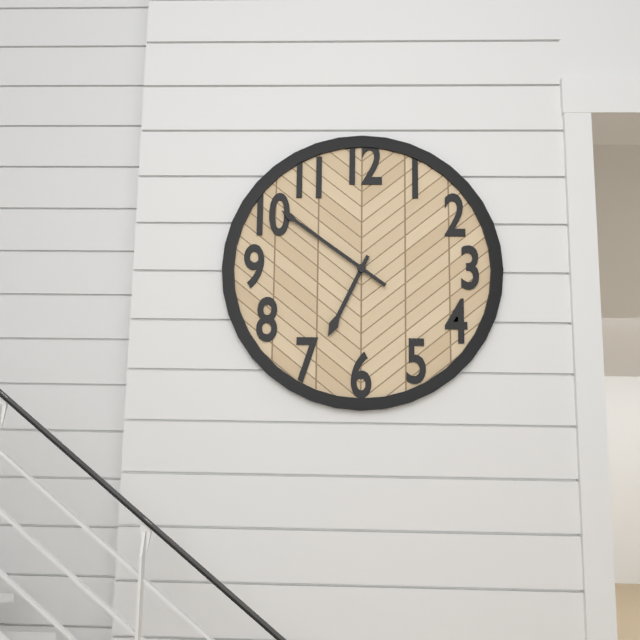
6:51
